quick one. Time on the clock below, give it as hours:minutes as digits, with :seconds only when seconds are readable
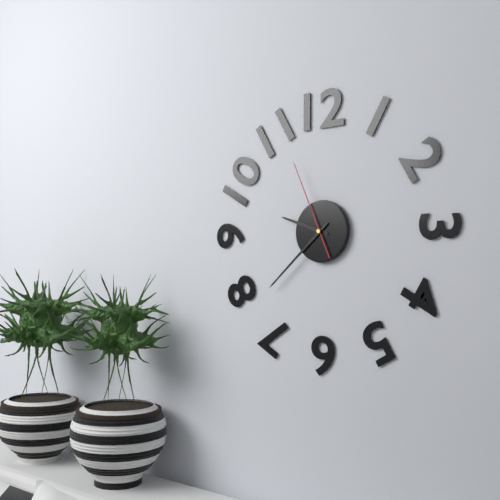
9:38:56
